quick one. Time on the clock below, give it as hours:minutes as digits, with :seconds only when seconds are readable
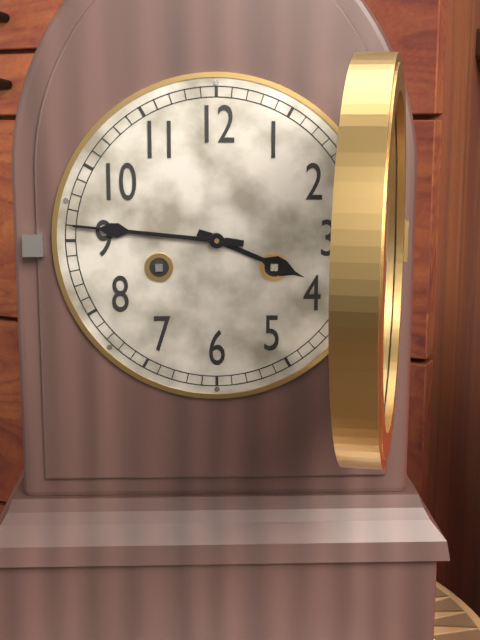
3:46
